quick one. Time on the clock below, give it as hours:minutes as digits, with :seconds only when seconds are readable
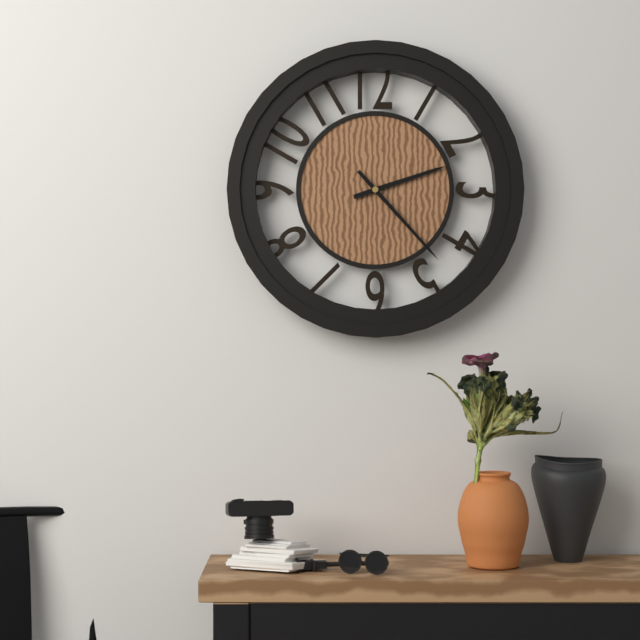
2:23
